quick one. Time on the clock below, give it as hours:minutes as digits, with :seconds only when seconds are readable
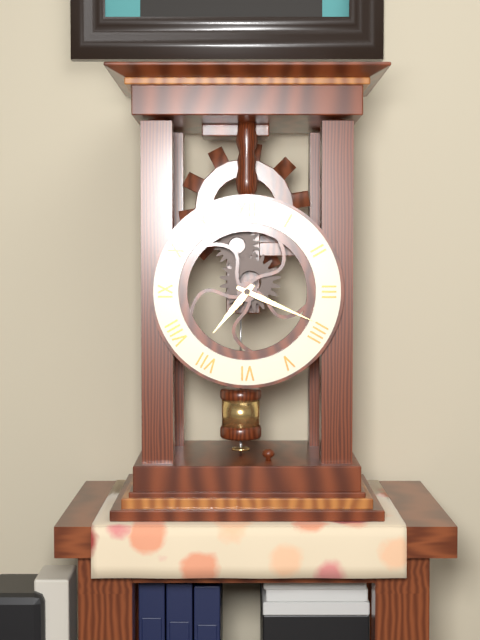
7:19
